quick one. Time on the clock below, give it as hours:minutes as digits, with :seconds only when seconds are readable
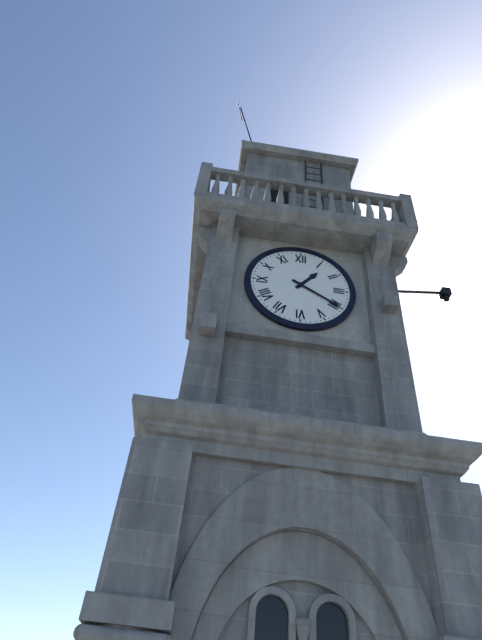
1:20
